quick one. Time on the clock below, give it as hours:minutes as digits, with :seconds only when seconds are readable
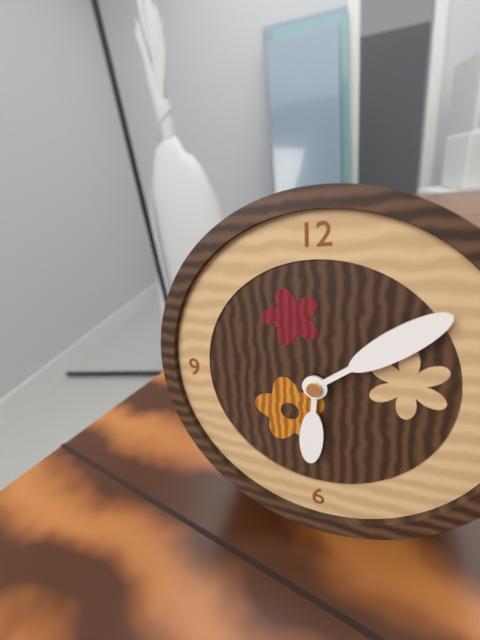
6:09
